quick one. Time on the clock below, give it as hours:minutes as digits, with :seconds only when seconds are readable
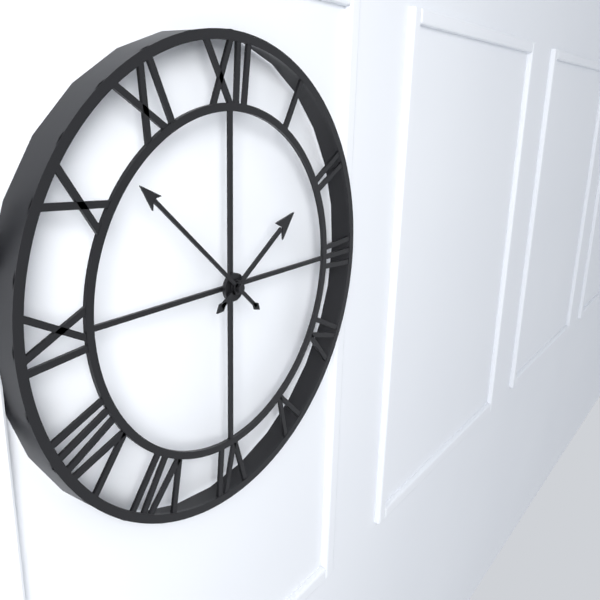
1:52
